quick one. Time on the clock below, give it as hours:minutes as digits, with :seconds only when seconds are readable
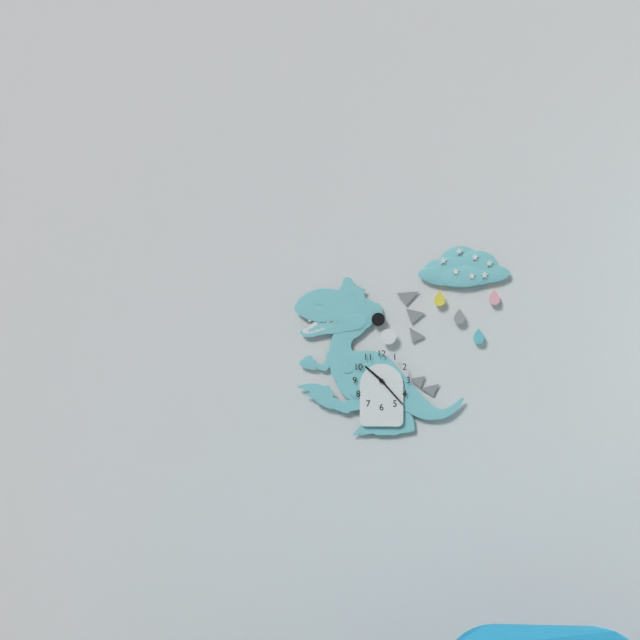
10:23
